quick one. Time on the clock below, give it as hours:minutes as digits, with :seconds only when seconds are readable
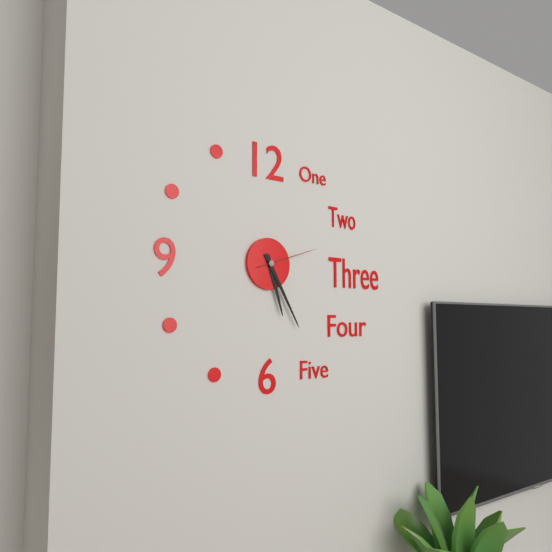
5:25:12
